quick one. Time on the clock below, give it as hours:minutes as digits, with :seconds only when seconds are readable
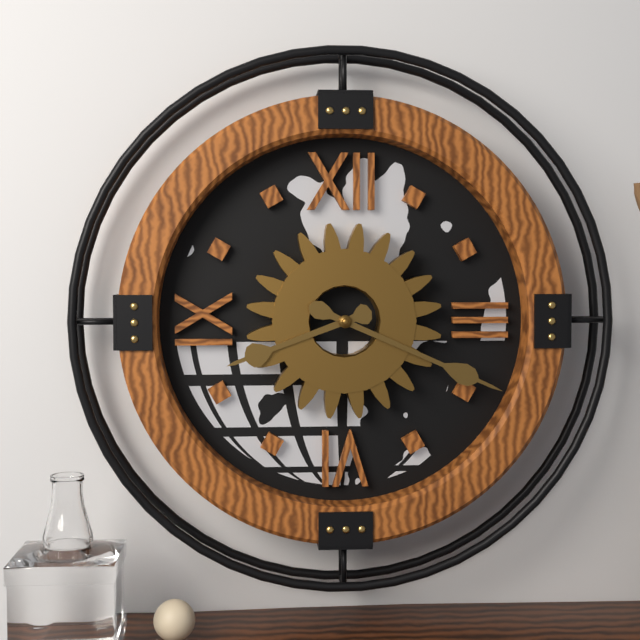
8:19
